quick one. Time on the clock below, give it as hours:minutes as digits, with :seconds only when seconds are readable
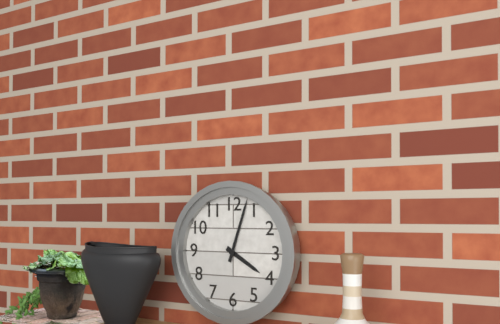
4:03
